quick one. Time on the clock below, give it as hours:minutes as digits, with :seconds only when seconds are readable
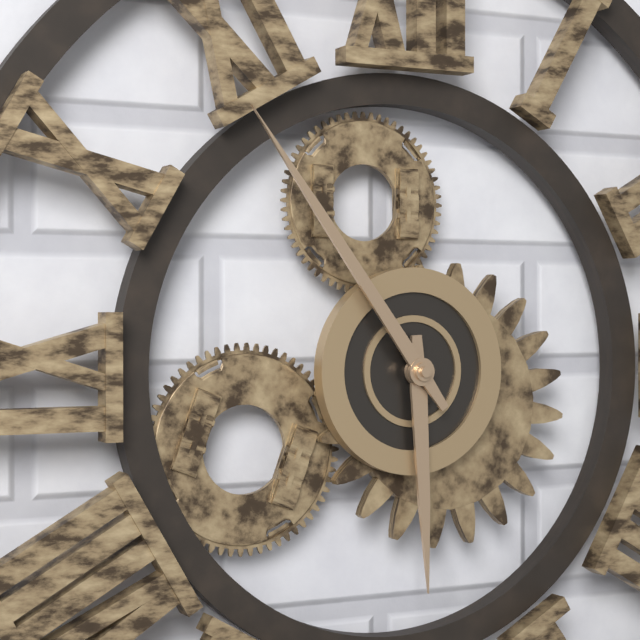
5:54
